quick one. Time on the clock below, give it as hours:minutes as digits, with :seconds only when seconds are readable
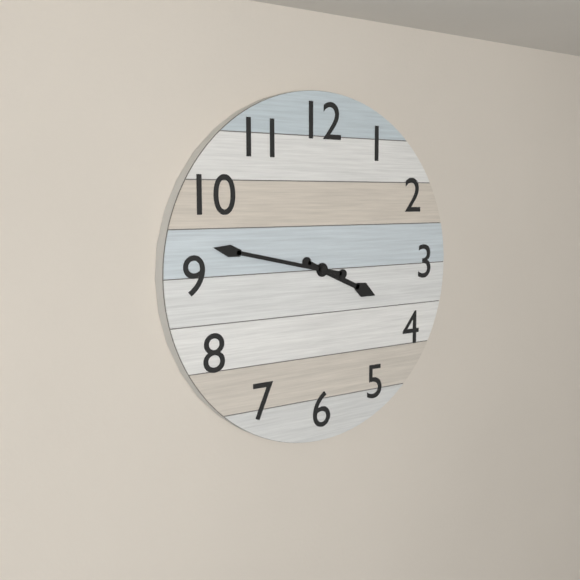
3:47
